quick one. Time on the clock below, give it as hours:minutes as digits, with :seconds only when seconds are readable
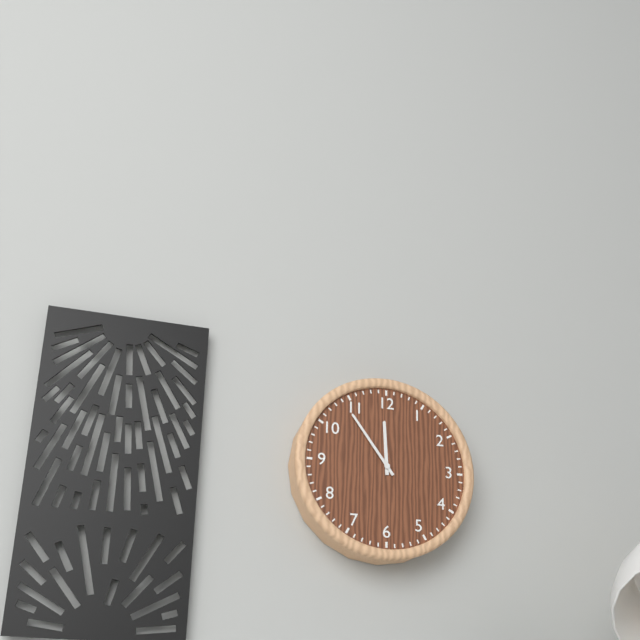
11:54
